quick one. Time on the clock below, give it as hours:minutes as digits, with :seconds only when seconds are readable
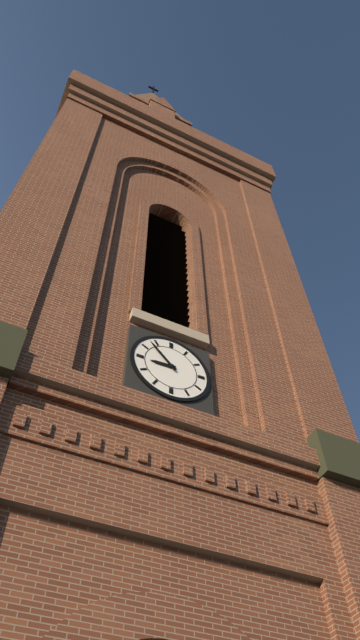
8:53
